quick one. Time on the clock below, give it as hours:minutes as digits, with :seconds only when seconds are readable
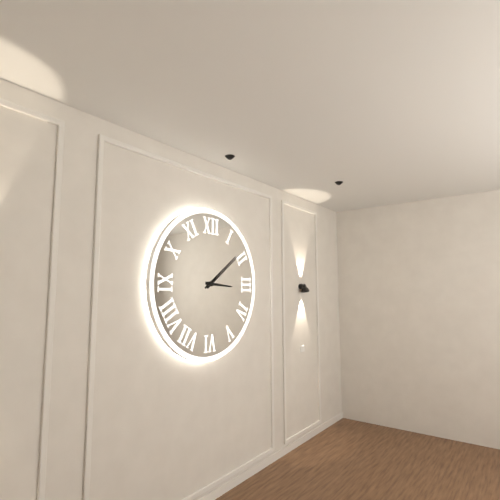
3:09
